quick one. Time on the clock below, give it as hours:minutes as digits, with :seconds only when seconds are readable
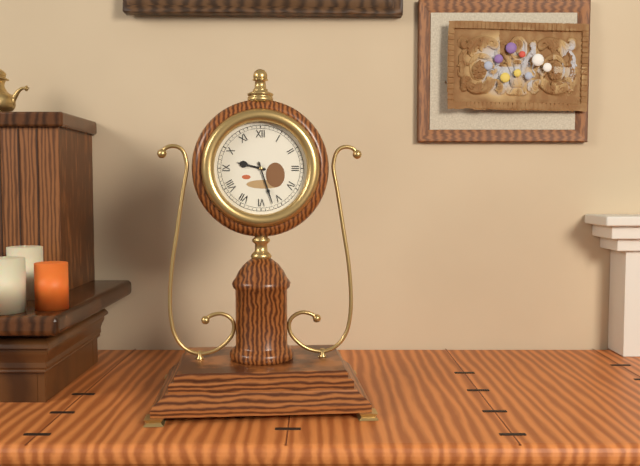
9:27
